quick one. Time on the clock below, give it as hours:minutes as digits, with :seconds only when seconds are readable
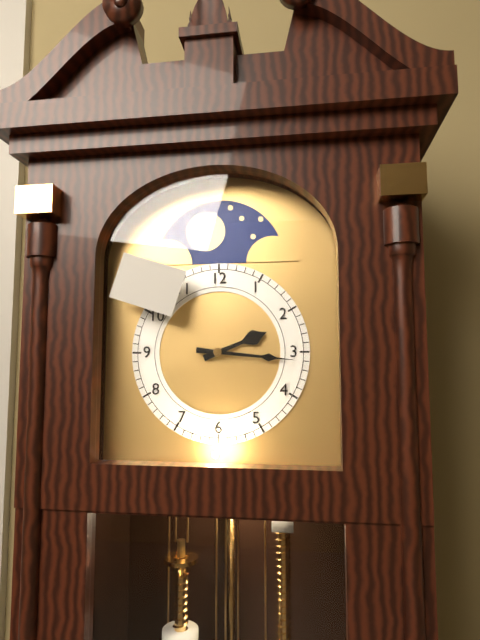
2:16
